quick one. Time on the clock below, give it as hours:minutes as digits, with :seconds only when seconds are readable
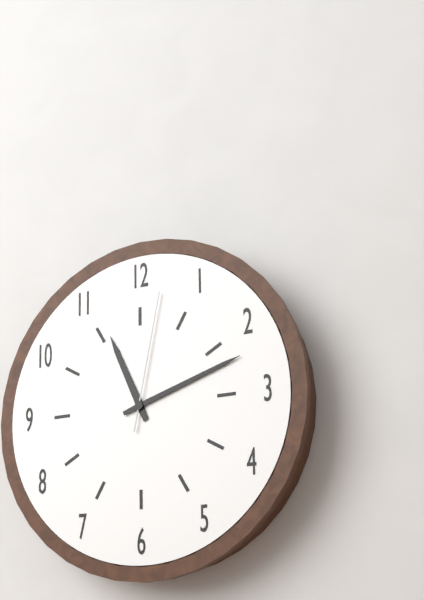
11:12:02
